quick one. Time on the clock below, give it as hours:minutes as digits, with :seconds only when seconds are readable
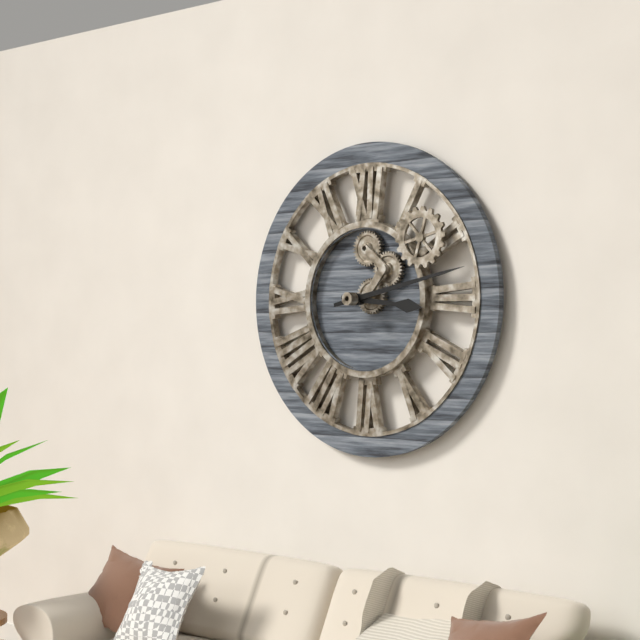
3:13
